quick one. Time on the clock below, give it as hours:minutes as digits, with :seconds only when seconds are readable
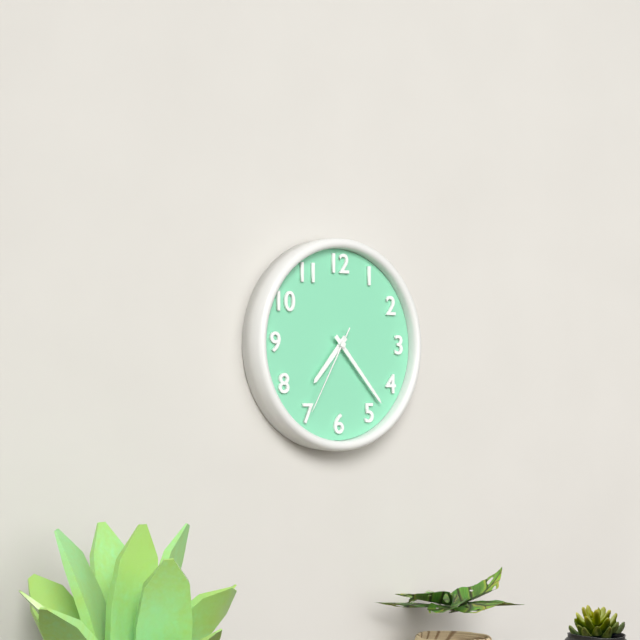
7:23:35
